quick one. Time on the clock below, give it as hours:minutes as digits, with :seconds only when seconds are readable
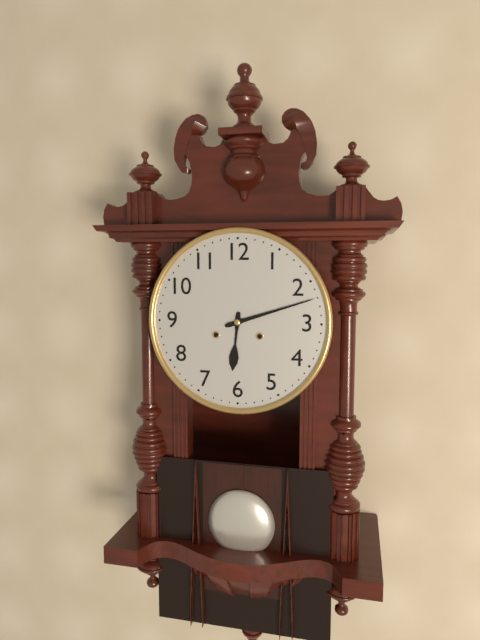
6:12
